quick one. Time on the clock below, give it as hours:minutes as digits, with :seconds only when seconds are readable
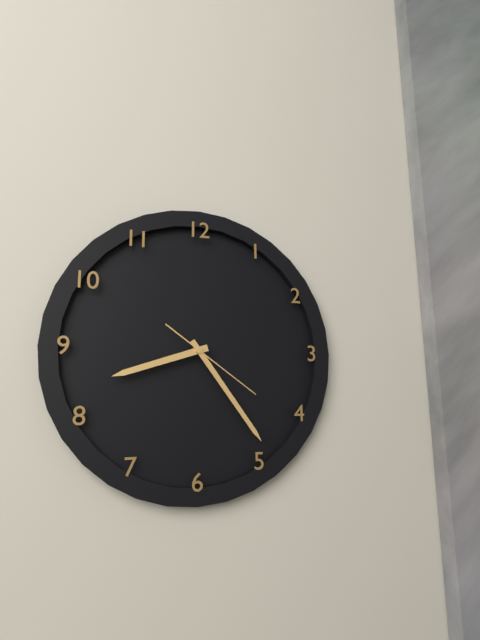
8:24:21
